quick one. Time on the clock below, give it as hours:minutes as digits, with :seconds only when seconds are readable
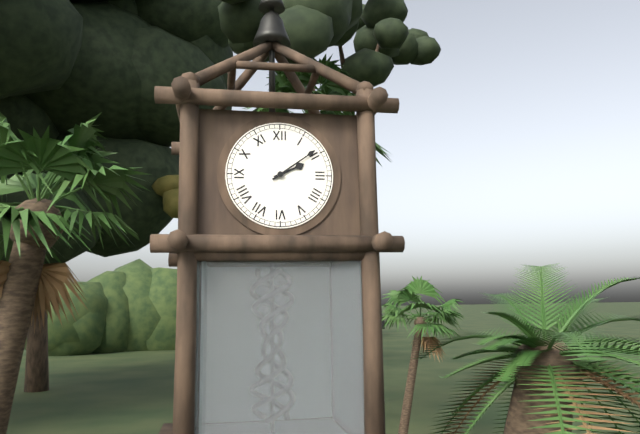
2:09
